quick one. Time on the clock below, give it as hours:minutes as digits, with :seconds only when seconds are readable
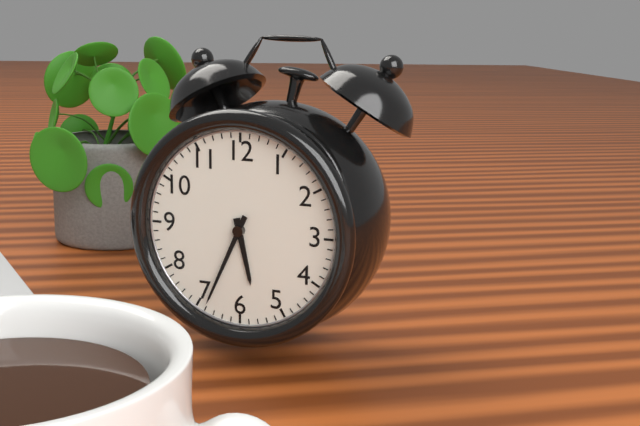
5:34
